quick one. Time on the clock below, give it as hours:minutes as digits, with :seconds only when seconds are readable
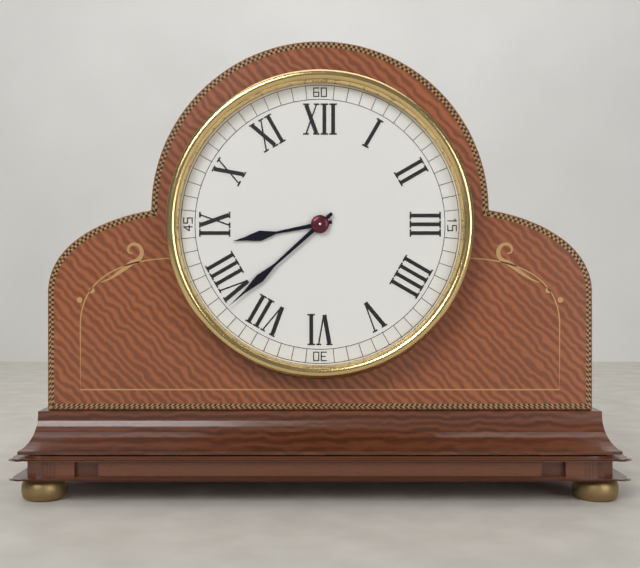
8:38
